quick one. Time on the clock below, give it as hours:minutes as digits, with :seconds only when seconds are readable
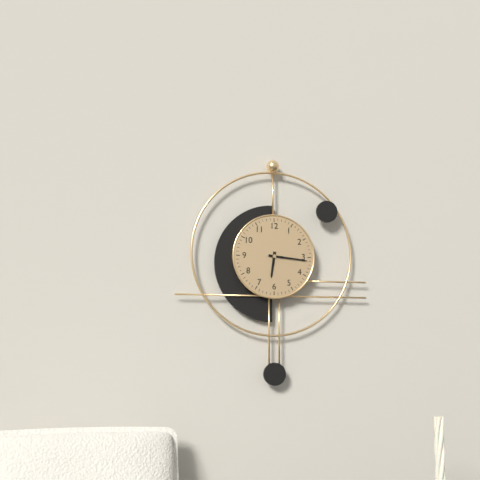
6:16
